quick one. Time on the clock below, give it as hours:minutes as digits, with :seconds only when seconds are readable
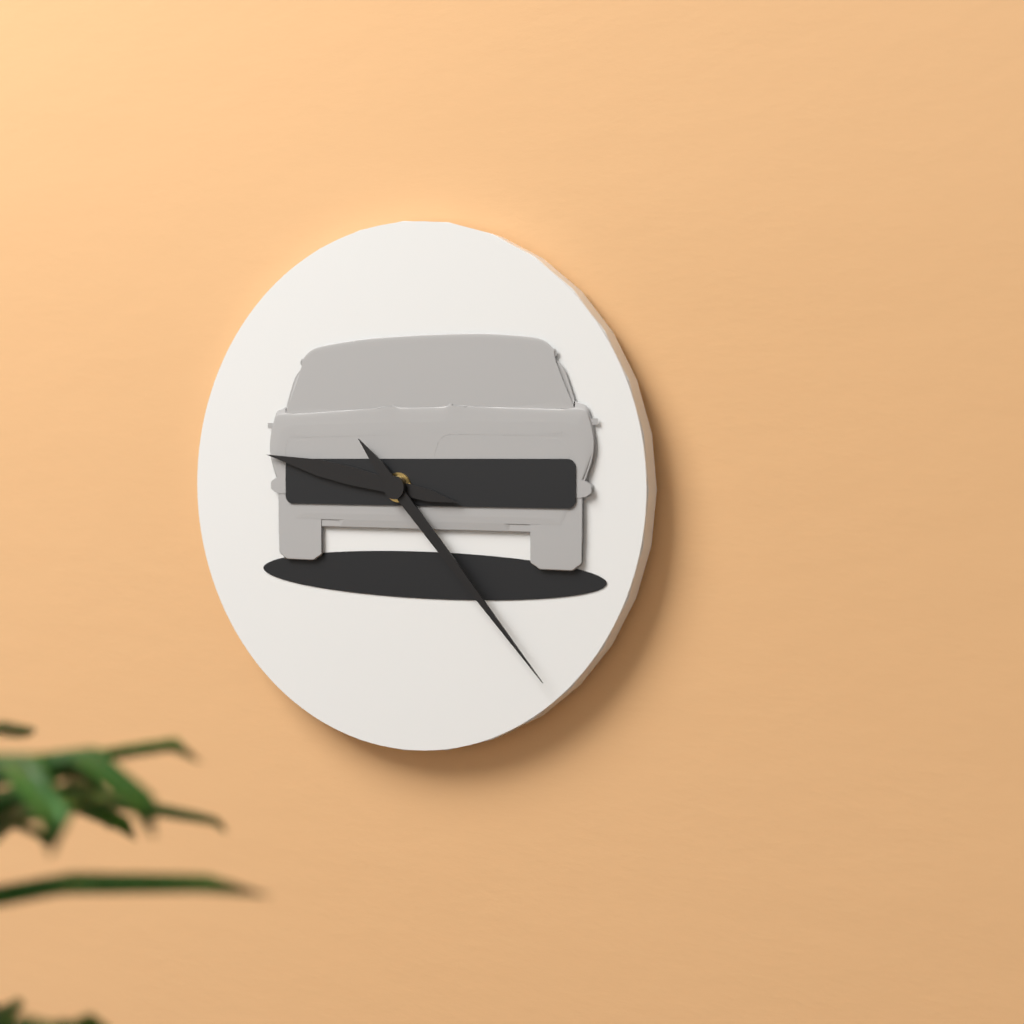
9:23
